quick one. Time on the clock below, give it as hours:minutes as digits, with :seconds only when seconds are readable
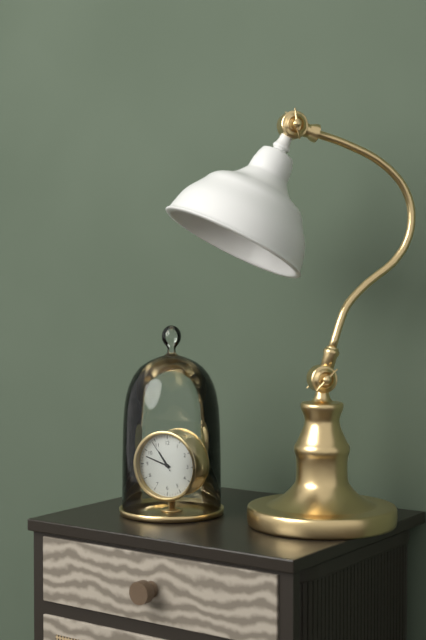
10:48
